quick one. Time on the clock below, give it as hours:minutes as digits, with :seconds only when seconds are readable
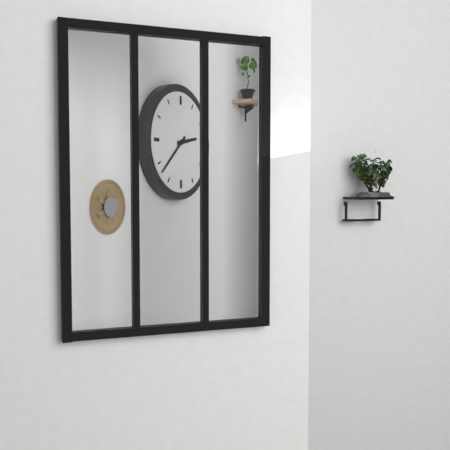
2:38
